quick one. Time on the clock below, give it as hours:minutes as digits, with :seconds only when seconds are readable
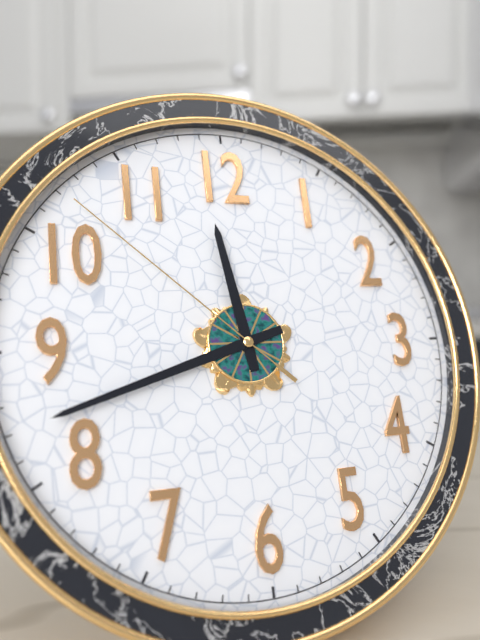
11:42:52
